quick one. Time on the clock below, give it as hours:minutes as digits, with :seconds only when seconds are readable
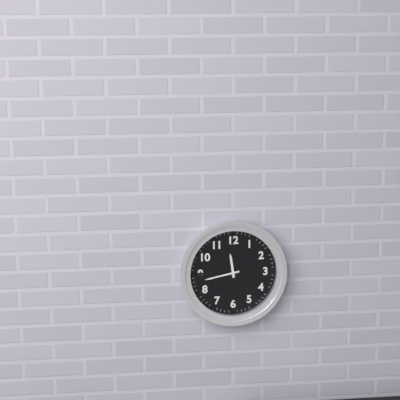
11:43
